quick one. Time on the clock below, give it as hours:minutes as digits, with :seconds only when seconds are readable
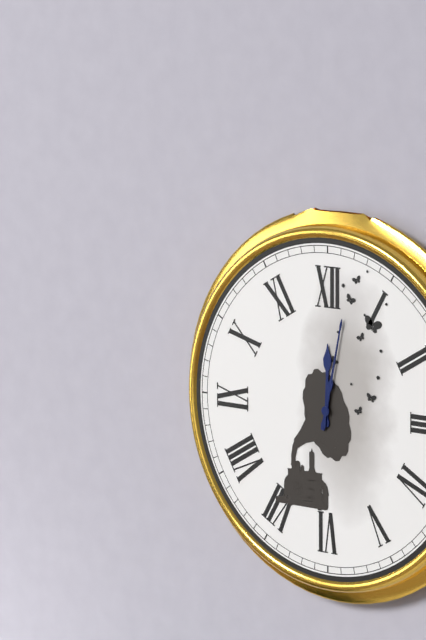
12:02
